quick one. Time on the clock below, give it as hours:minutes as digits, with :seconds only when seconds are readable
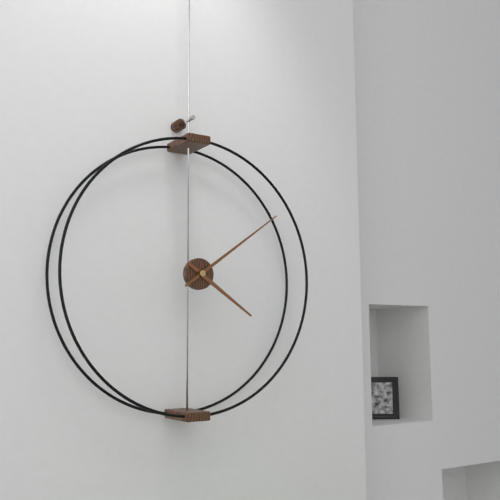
4:09
